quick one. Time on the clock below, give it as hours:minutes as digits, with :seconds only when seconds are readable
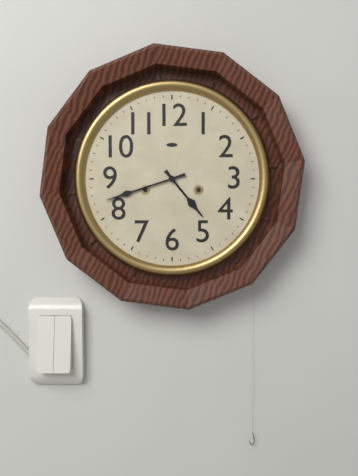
4:42
